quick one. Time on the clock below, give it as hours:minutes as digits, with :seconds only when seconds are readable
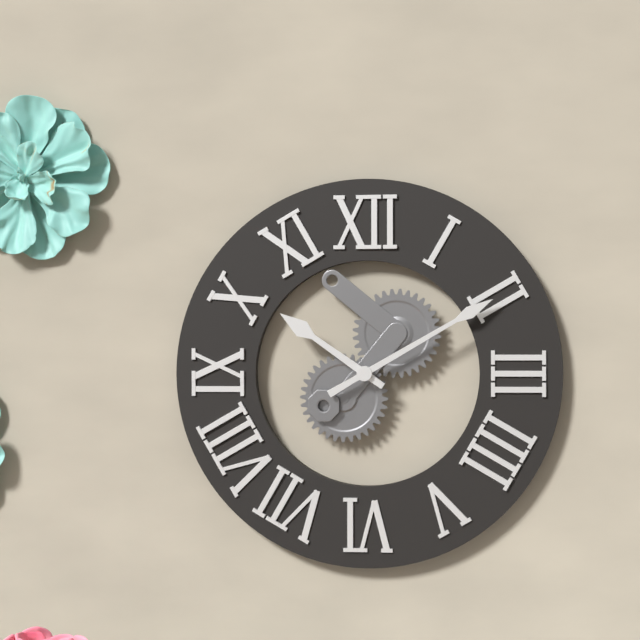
10:10
